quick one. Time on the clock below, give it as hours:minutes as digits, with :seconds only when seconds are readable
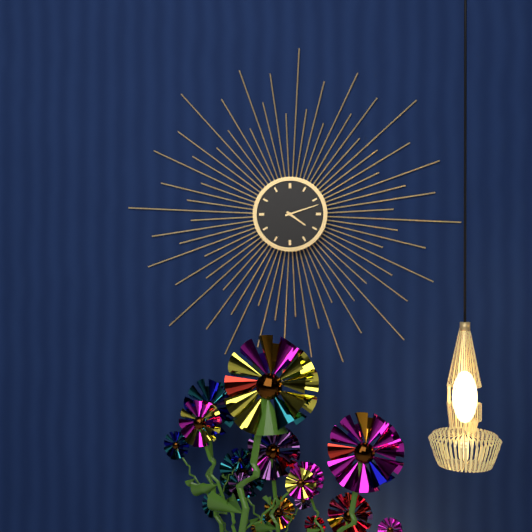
4:12
